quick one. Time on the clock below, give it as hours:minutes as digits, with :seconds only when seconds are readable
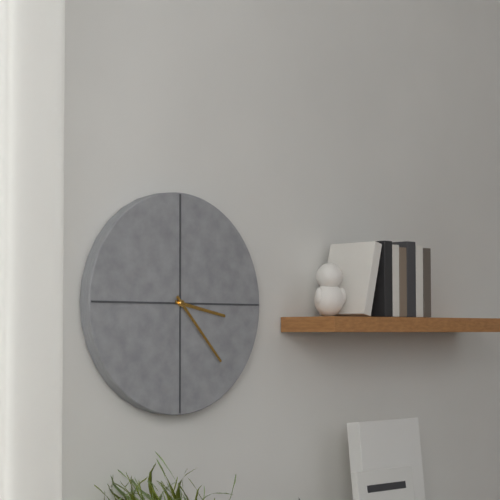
3:23
